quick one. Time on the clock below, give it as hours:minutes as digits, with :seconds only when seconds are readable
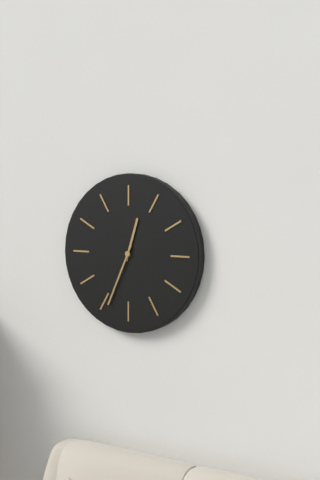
12:34
